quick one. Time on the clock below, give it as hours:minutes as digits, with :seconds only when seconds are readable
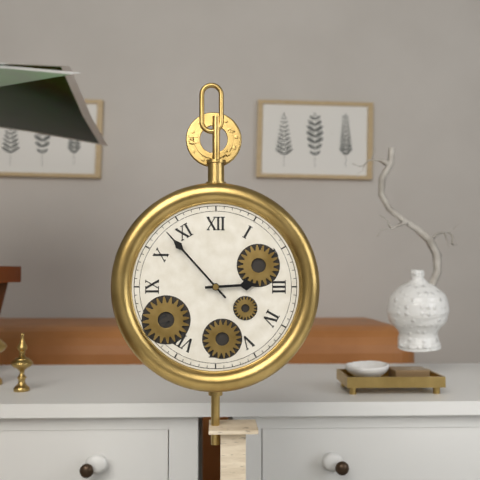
2:53
